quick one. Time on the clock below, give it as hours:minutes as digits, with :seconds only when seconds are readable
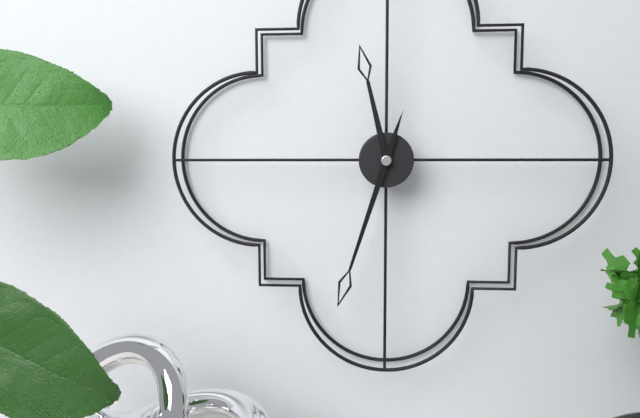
11:33
